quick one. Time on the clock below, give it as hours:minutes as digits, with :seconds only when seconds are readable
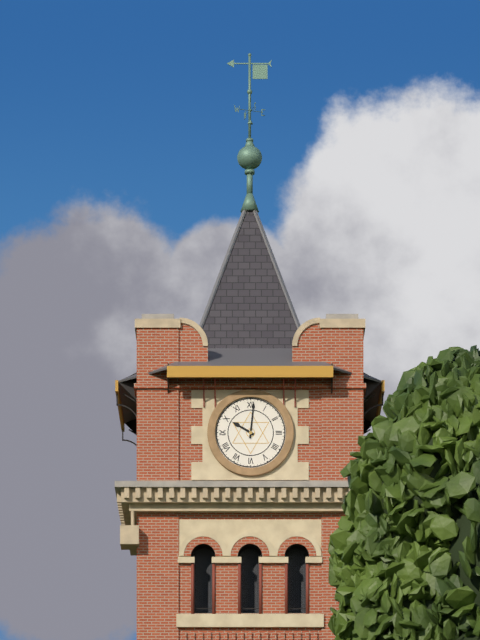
10:01
